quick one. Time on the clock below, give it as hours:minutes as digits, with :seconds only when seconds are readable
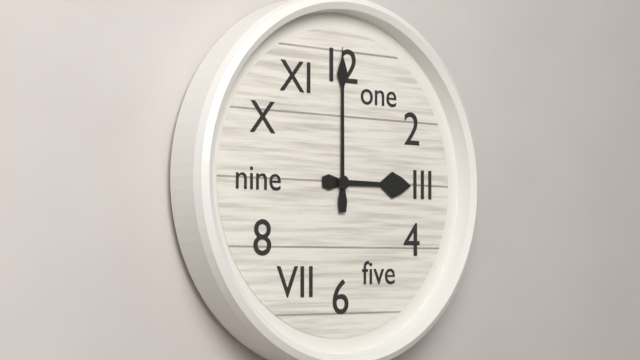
3:00
